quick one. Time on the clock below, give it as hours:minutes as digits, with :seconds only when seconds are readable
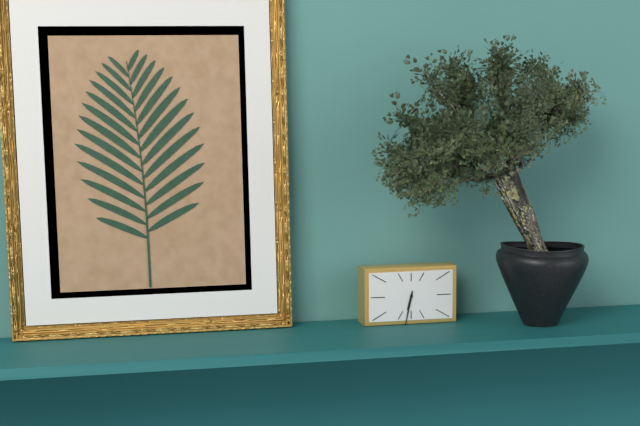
6:32
